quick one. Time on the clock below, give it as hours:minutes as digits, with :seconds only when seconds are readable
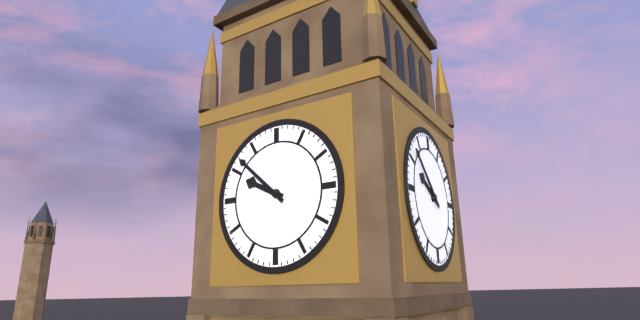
9:52
